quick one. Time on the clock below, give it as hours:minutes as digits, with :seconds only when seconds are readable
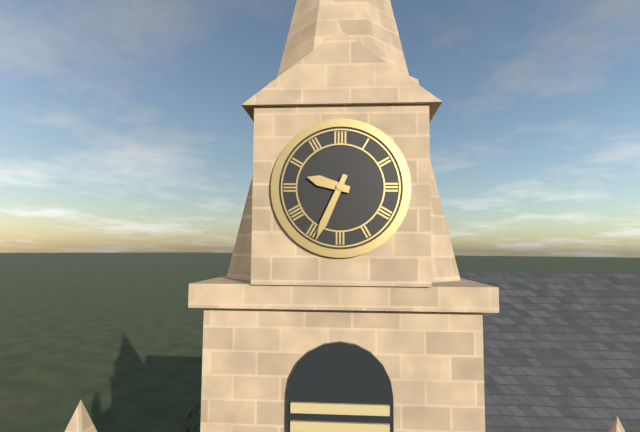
9:34
